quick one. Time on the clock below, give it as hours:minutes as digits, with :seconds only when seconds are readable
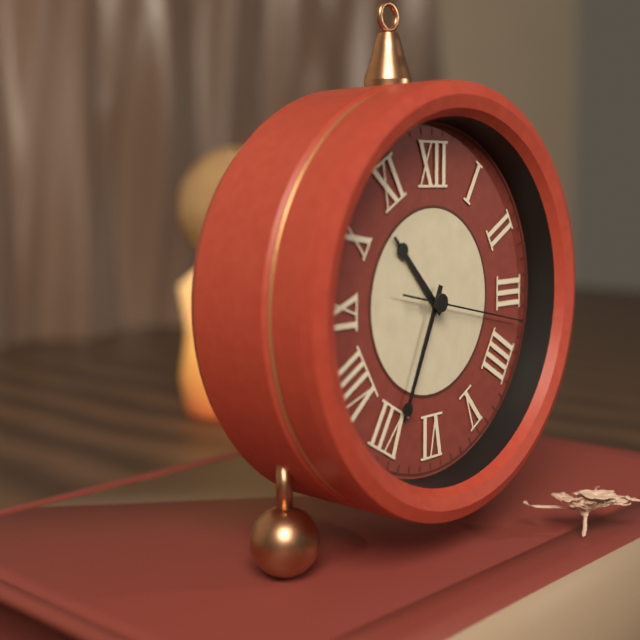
10:34:17
